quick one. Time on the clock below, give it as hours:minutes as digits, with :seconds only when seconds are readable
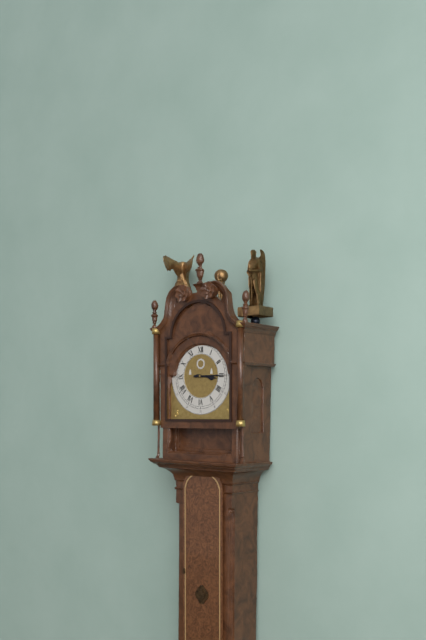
3:15
